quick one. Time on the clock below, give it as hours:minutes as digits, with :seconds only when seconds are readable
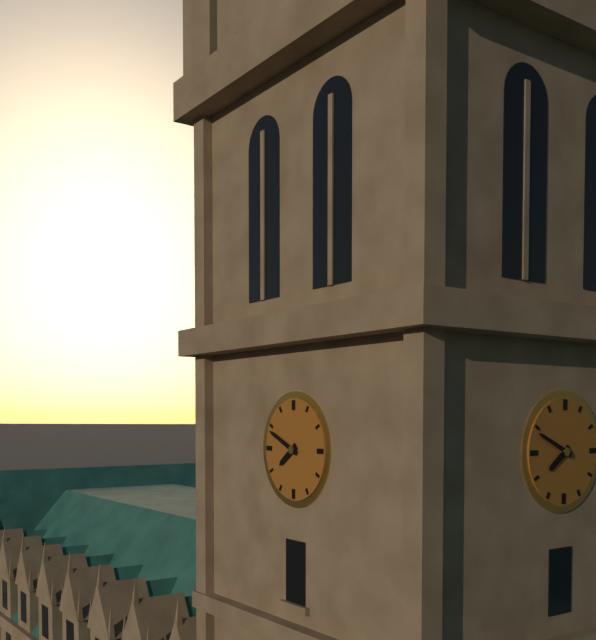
7:49
